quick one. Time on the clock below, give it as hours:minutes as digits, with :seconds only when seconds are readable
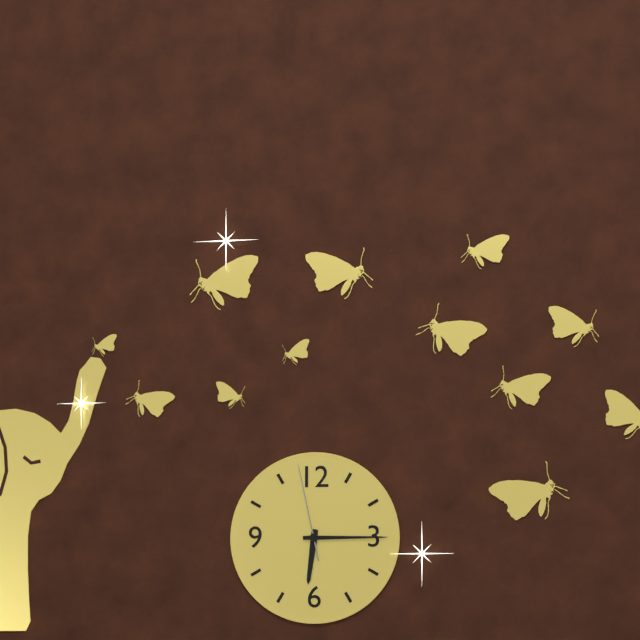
6:15:58
